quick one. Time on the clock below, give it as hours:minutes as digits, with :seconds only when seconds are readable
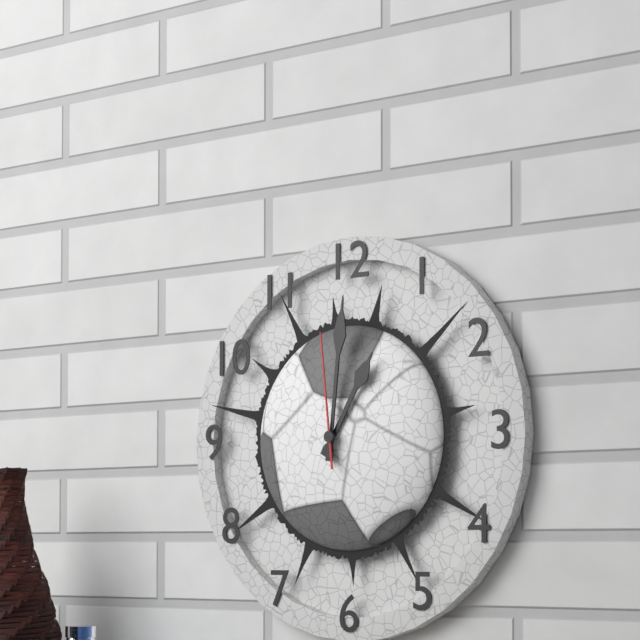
1:01:59
